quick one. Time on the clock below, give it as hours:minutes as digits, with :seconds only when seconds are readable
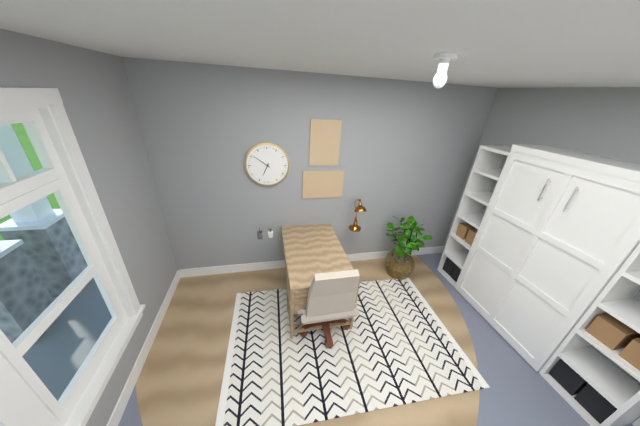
6:51
